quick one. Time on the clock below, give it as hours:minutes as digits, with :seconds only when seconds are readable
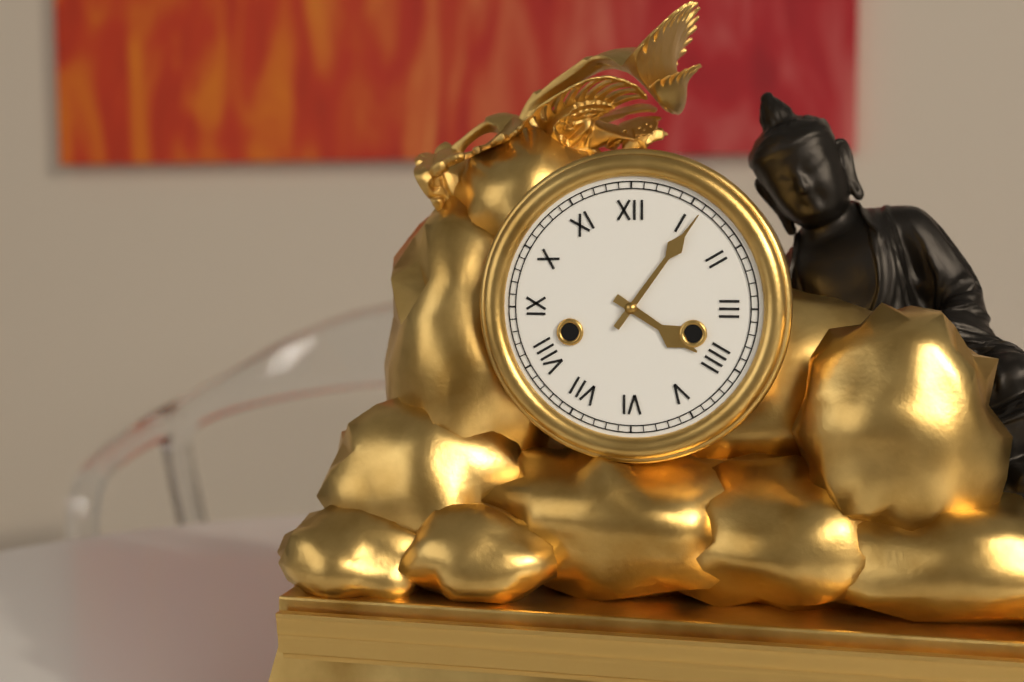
4:06
